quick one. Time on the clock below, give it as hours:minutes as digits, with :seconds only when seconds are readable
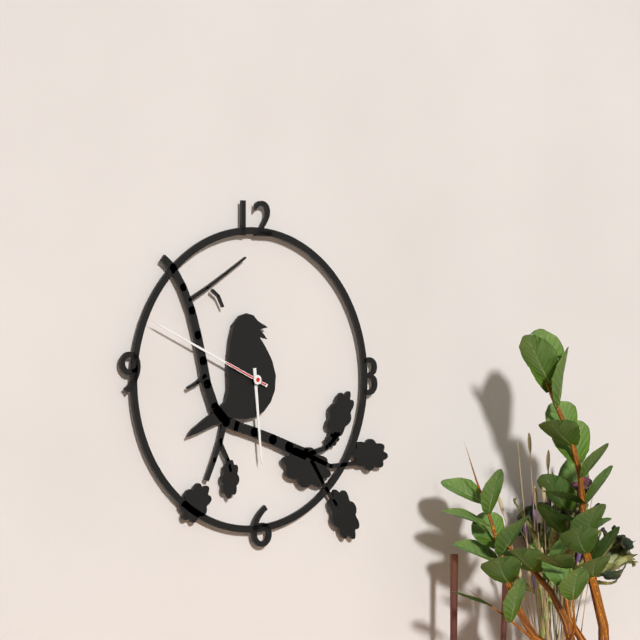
5:49
